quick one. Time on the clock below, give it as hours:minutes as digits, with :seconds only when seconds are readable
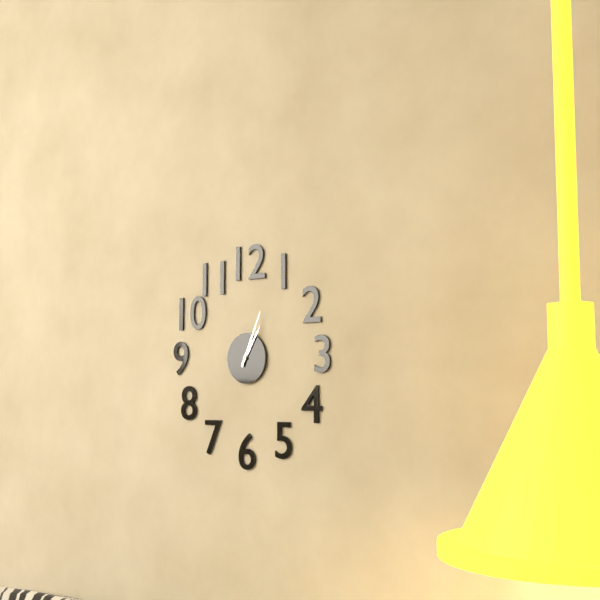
1:04
